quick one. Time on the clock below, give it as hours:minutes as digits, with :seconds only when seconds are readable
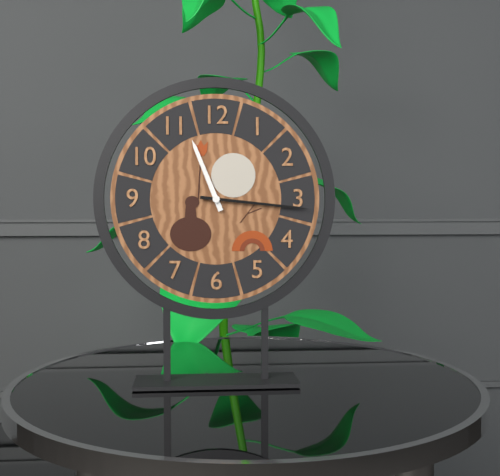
11:16
